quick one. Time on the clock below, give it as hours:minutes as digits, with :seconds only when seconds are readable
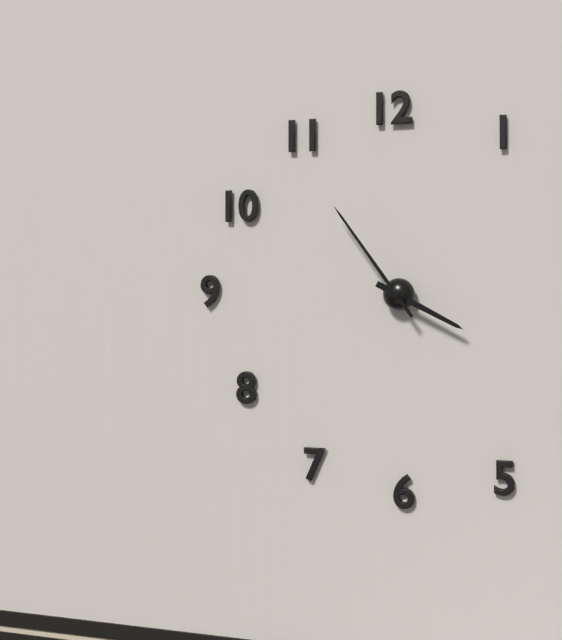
3:54
